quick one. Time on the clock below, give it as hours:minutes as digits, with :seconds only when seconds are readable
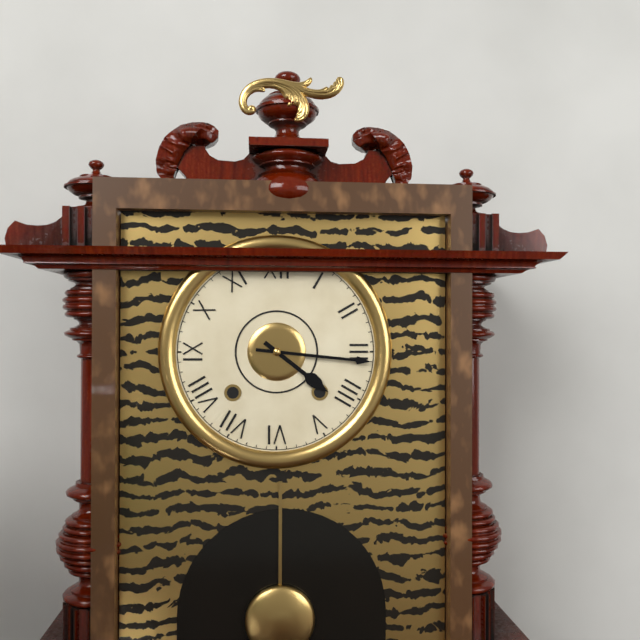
4:16
